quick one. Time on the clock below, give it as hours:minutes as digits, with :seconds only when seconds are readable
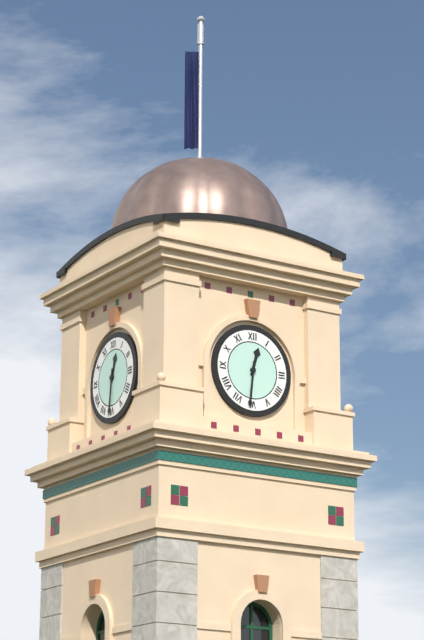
12:31
